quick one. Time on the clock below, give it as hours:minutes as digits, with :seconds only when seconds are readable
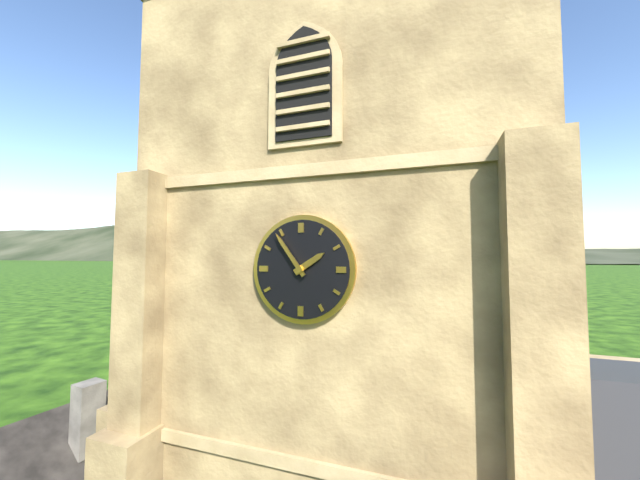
1:54
